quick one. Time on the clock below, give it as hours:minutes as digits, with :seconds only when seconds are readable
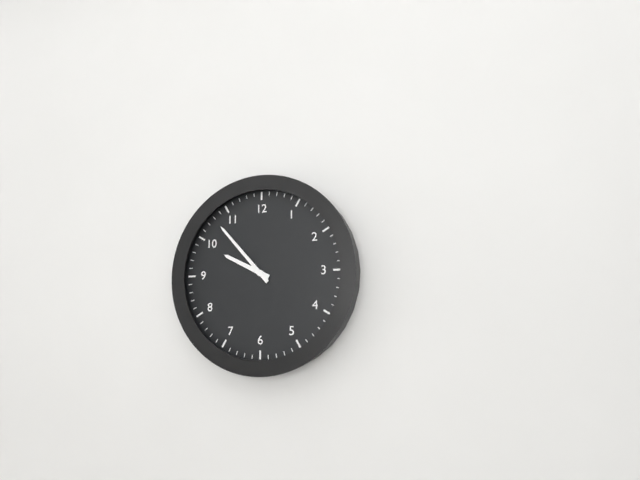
9:53
